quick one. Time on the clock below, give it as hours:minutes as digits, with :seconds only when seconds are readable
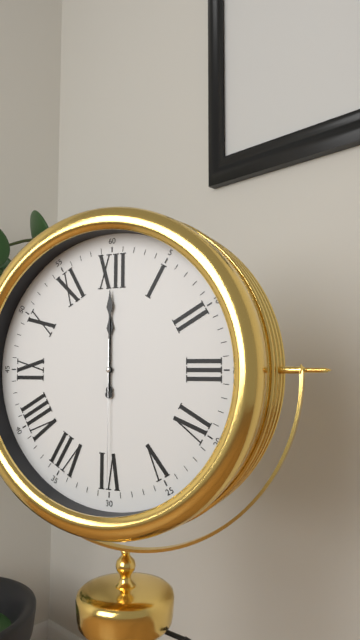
12:00:30
